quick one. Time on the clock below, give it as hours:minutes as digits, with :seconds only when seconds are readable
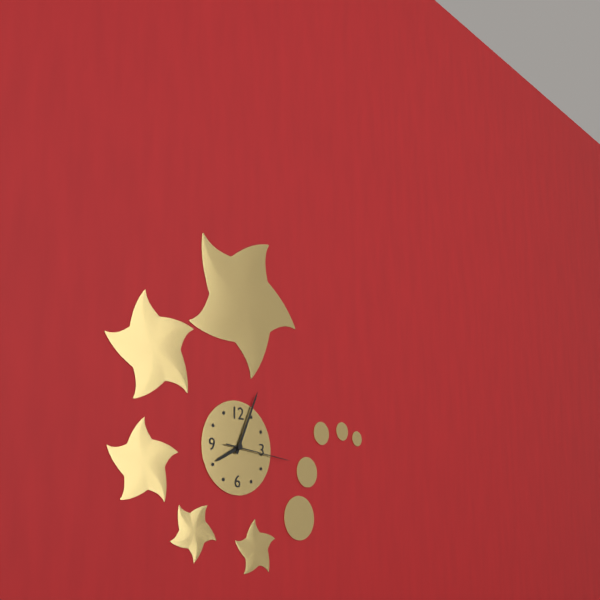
8:04:16
